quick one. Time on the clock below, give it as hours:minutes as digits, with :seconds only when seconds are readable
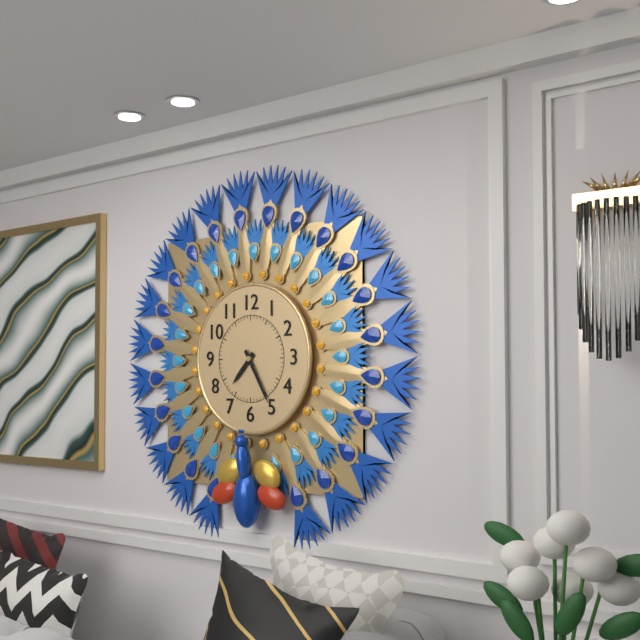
7:25
